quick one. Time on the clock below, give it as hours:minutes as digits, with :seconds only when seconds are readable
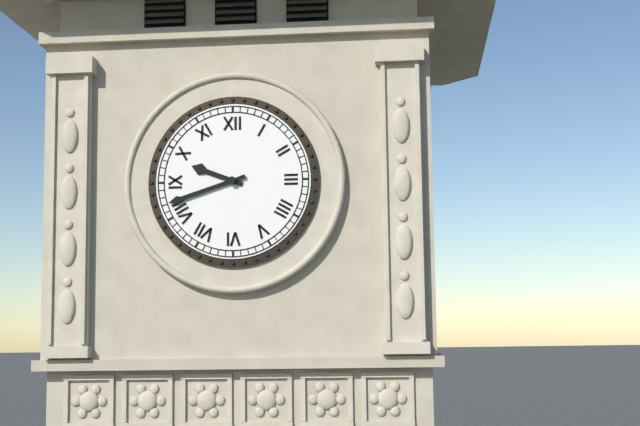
9:42
